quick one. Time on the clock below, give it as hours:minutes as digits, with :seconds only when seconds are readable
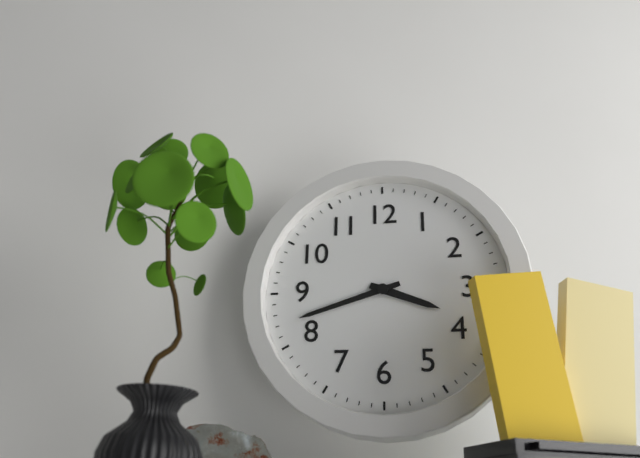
3:42
